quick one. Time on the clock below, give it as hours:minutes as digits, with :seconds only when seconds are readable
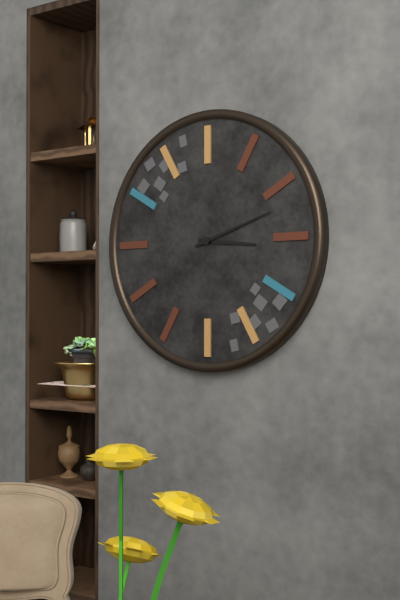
3:12
